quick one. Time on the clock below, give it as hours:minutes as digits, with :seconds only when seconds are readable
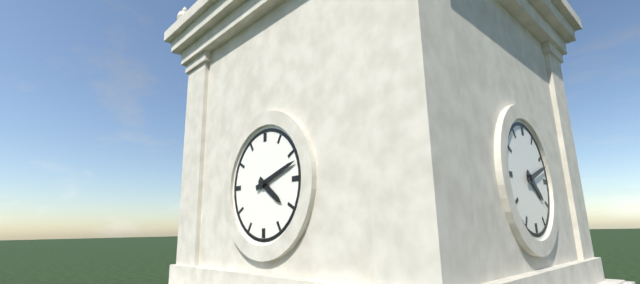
4:12
